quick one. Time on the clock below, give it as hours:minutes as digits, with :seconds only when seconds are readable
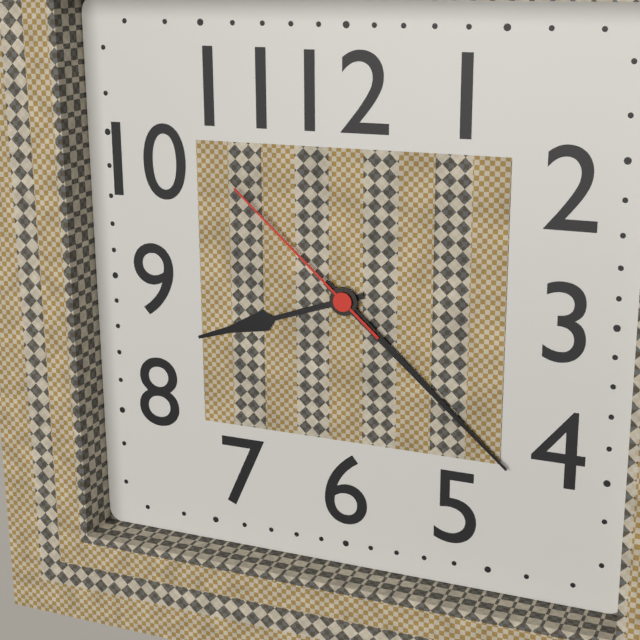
8:22:52
